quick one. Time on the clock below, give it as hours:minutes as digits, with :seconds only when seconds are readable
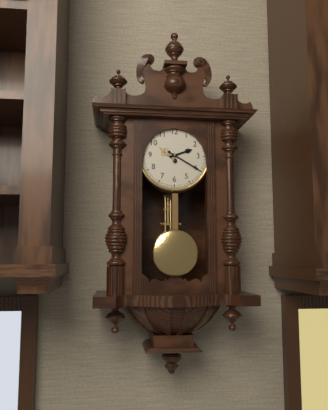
2:20
